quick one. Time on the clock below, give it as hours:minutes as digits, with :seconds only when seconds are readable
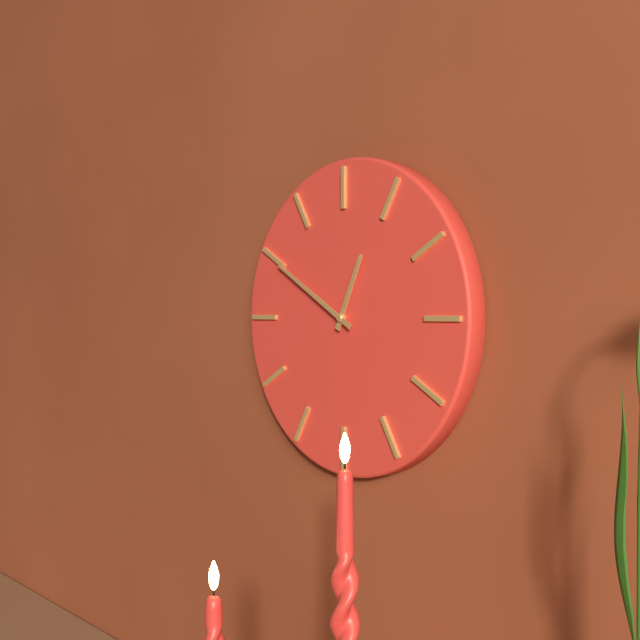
12:50
